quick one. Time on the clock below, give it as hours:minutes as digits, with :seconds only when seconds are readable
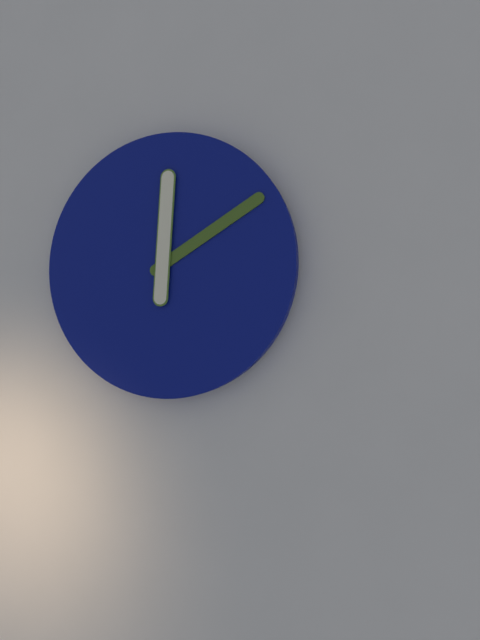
12:10
